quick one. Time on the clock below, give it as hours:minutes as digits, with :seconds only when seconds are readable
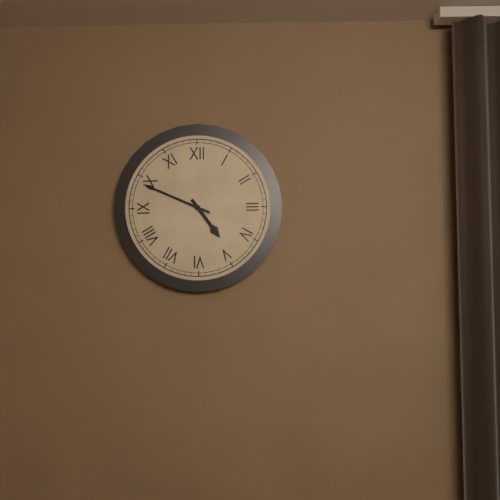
4:49
